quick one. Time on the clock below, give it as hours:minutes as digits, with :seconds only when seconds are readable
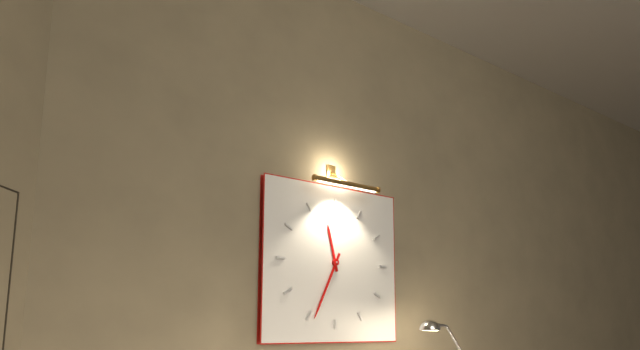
11:34
